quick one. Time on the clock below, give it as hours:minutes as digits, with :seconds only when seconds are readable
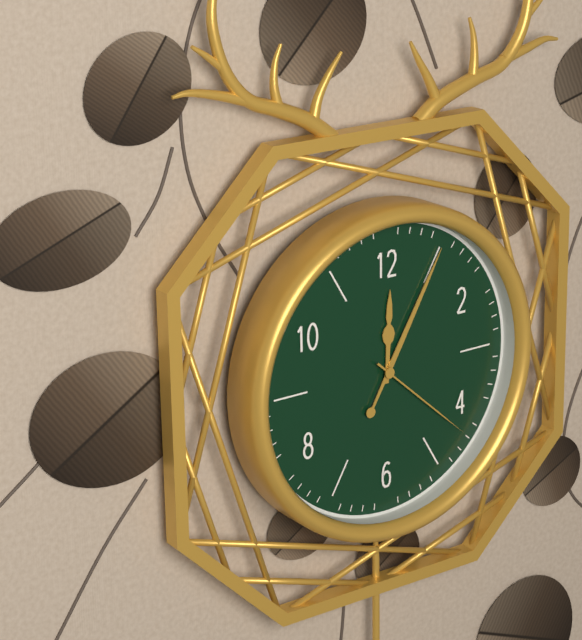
12:05:22
